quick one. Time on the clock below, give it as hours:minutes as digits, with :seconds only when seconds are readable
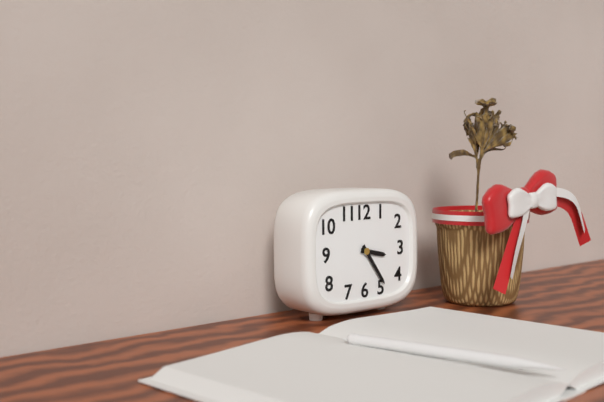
3:24
